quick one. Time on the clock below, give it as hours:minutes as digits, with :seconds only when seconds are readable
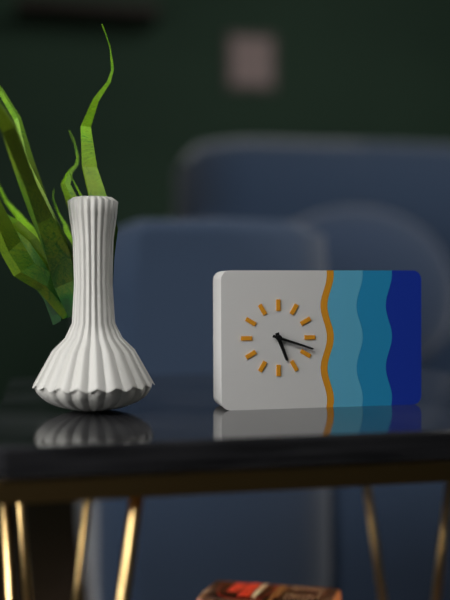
5:18
